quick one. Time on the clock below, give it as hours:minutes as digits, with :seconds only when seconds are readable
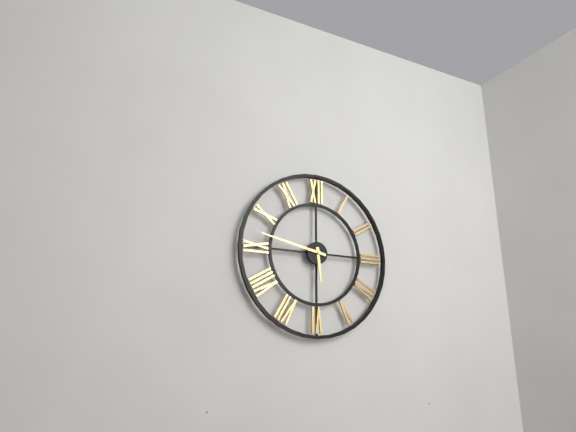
5:47
